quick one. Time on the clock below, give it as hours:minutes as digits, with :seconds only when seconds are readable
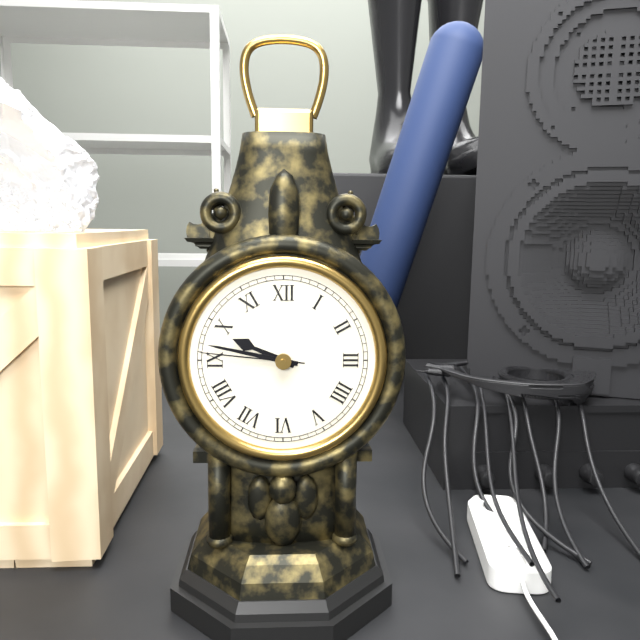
9:47:46
